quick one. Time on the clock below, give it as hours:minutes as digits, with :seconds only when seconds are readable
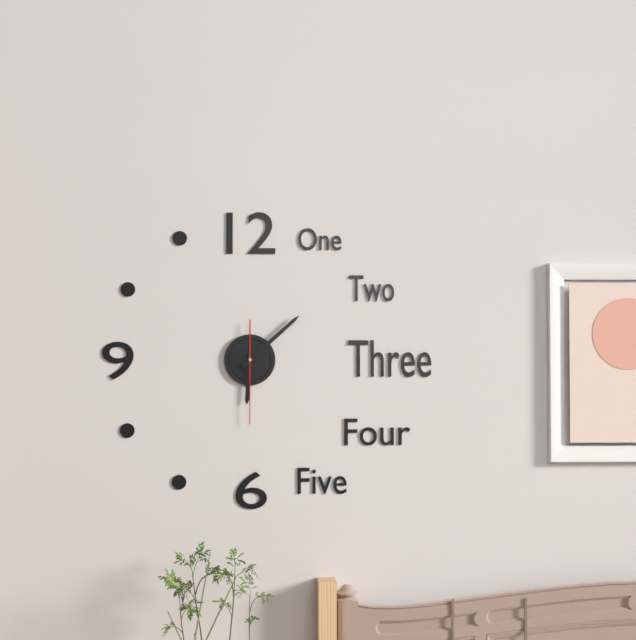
6:08:30
